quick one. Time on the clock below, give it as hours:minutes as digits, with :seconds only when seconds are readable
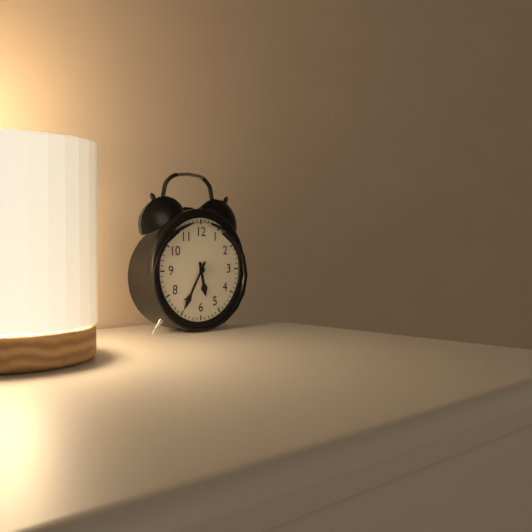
5:35
